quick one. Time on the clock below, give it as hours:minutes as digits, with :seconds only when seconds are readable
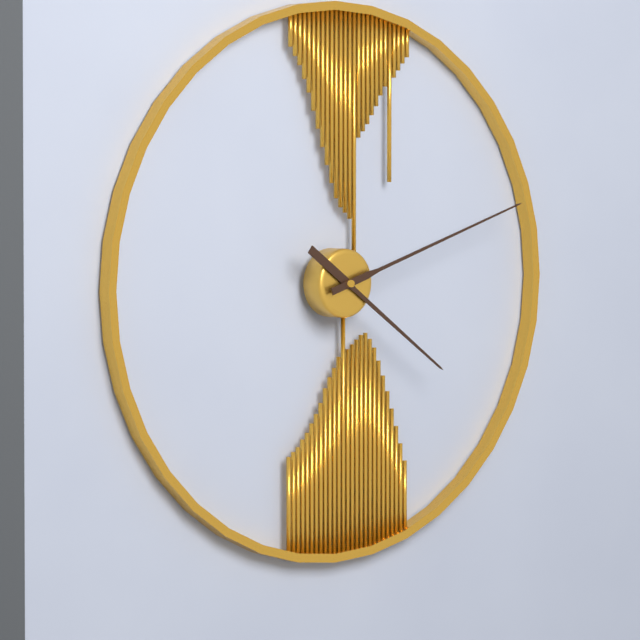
4:12
